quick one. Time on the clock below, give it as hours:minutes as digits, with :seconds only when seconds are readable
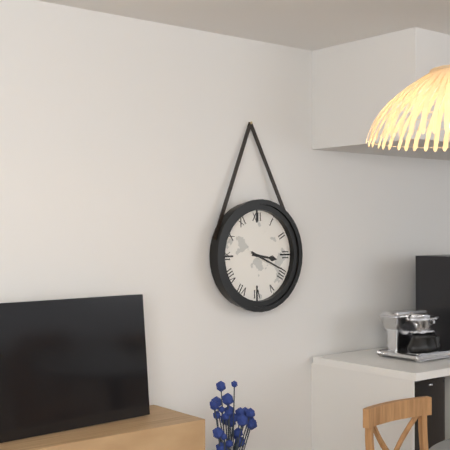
3:19
